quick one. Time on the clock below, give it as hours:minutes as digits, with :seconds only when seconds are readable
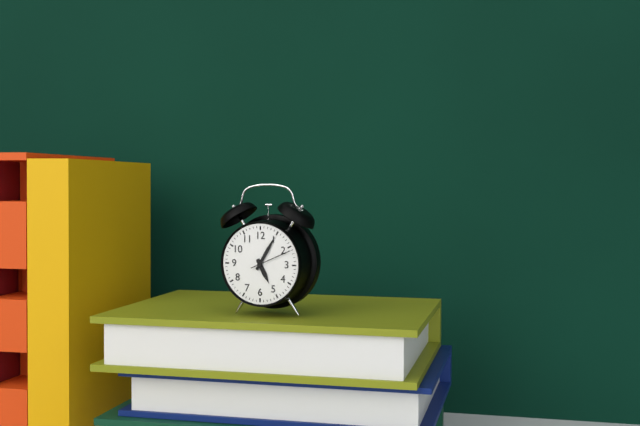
5:05
